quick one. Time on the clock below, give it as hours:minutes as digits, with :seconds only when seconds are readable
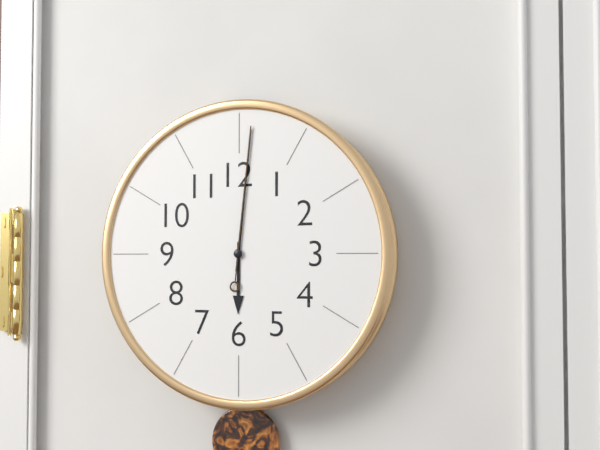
6:01:01
